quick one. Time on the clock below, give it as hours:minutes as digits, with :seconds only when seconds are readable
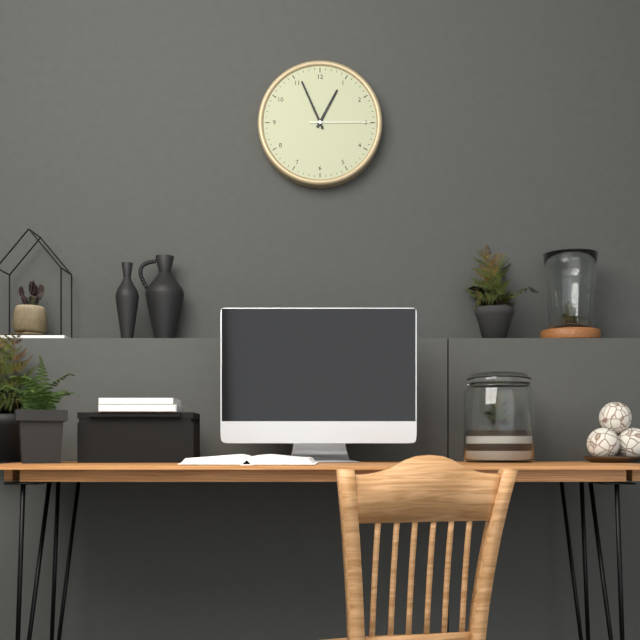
12:56:15
